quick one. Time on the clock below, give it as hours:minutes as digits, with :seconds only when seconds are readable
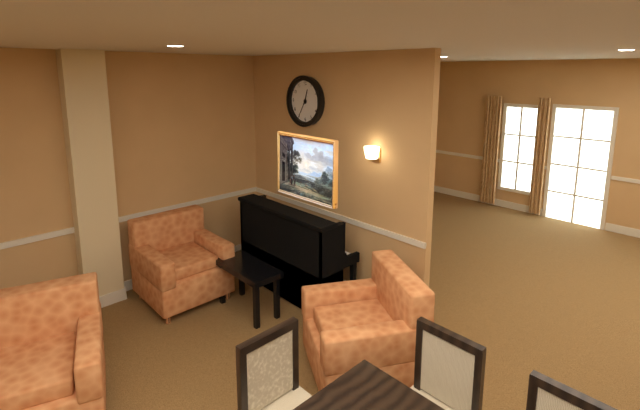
12:35
